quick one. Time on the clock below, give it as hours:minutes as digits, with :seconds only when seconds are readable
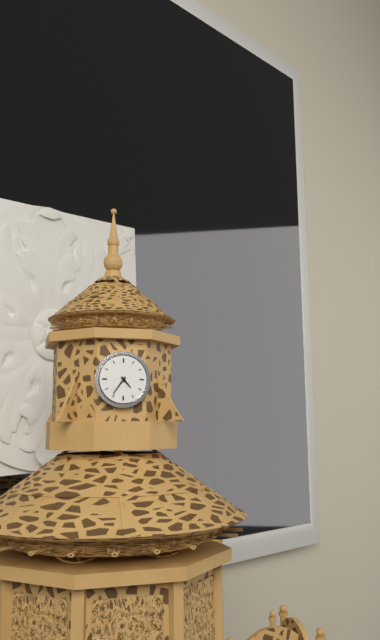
4:36
